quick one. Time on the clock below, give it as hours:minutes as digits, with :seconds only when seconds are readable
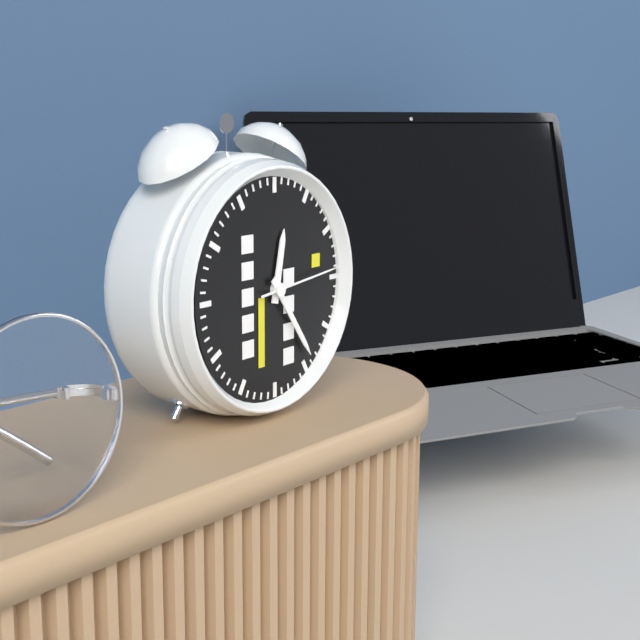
12:24:14
